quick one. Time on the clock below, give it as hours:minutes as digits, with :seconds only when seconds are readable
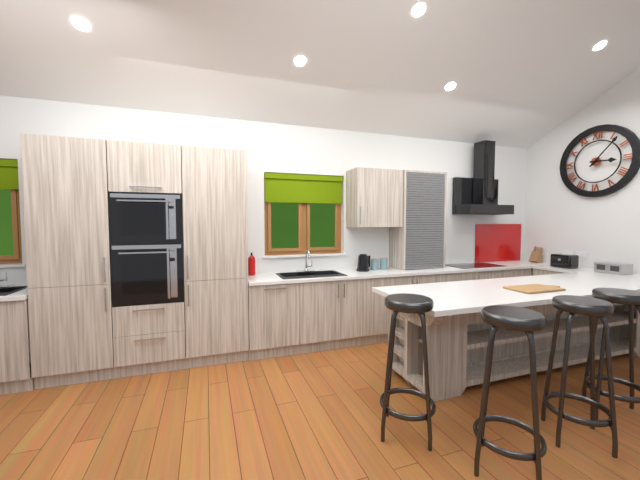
3:07
